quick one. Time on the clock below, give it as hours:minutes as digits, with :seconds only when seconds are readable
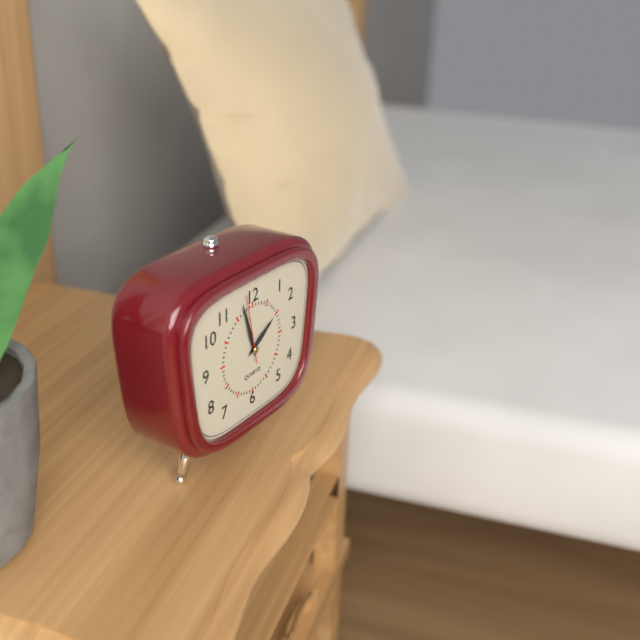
1:57:58
